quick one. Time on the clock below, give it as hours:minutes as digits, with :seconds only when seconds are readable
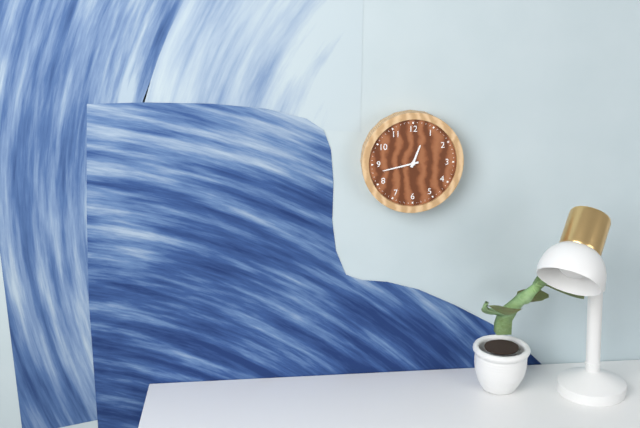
12:43
